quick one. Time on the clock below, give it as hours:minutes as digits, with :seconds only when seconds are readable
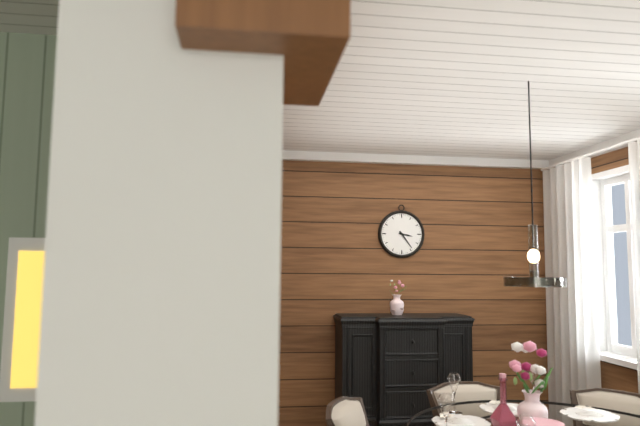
3:24
